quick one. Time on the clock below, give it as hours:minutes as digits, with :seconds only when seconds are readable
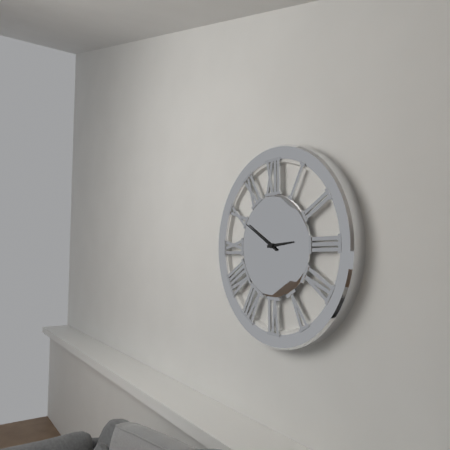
2:50
